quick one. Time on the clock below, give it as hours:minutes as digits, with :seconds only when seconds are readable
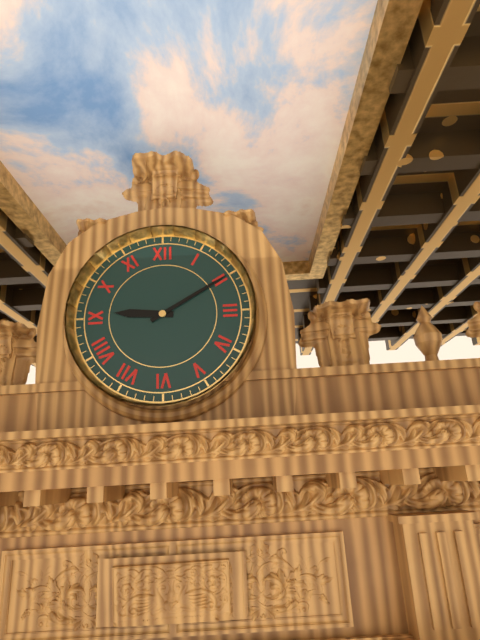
9:10
